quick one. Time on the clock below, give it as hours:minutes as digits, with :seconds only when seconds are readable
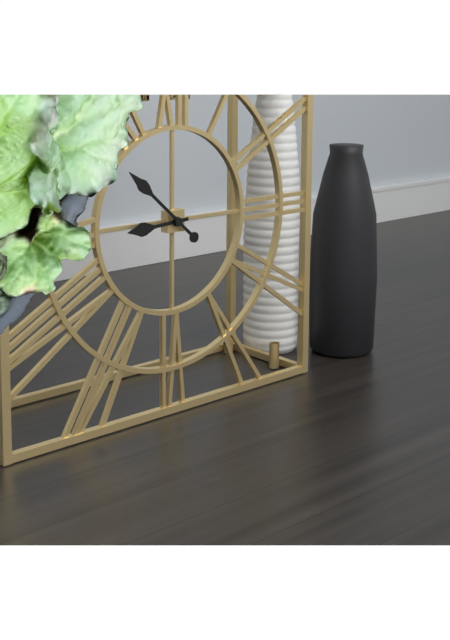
8:52
